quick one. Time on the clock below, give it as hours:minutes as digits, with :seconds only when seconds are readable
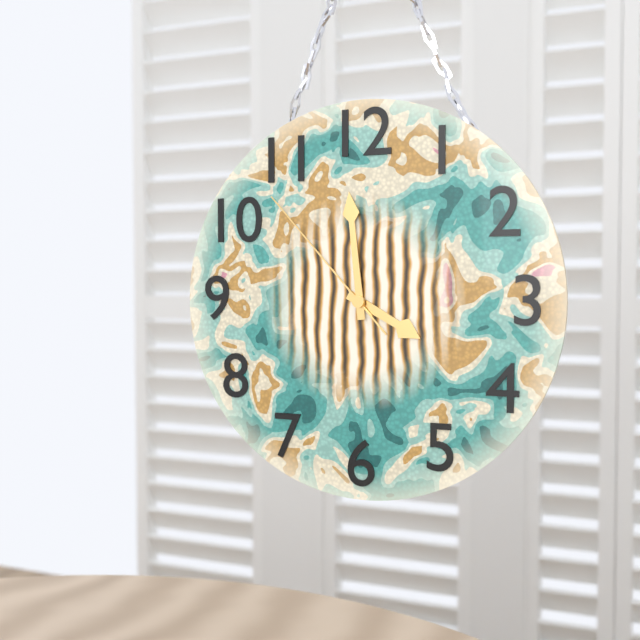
3:59:53
